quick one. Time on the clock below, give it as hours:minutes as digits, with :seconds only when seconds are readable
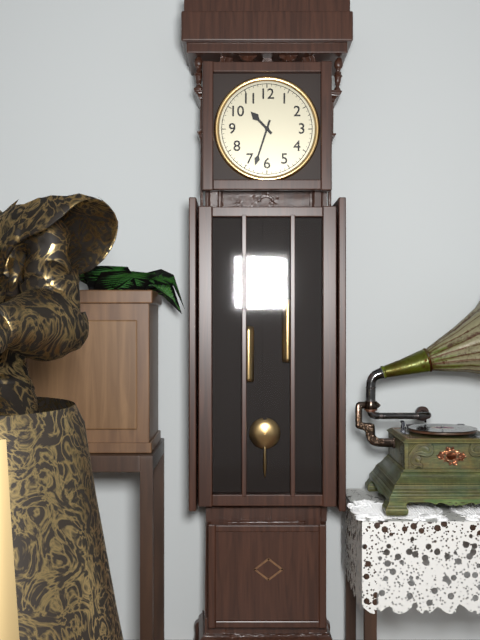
10:33
